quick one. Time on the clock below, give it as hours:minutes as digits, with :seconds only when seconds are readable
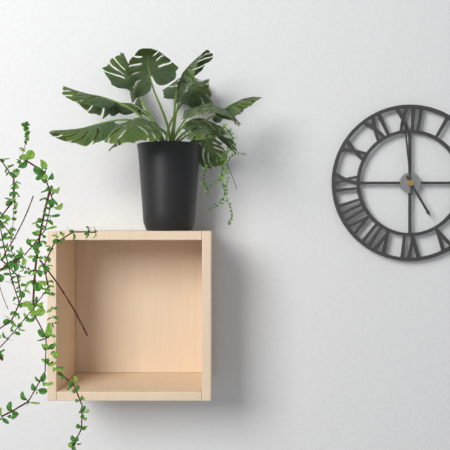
4:59
